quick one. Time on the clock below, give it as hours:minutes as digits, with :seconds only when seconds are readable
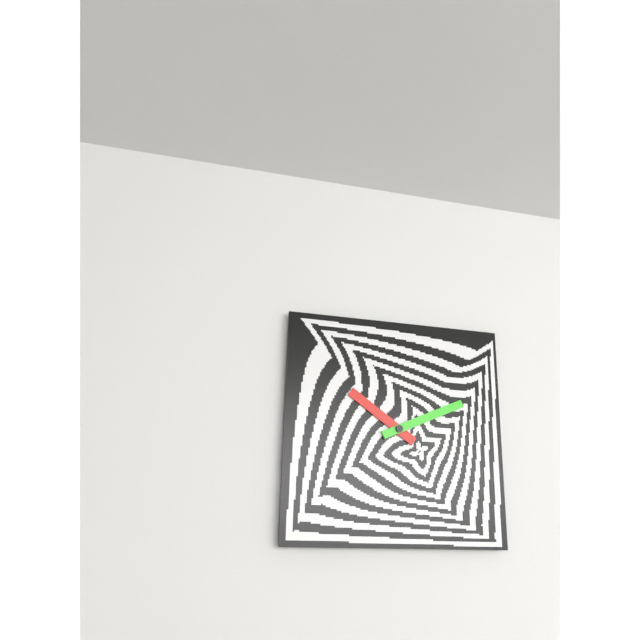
10:11
